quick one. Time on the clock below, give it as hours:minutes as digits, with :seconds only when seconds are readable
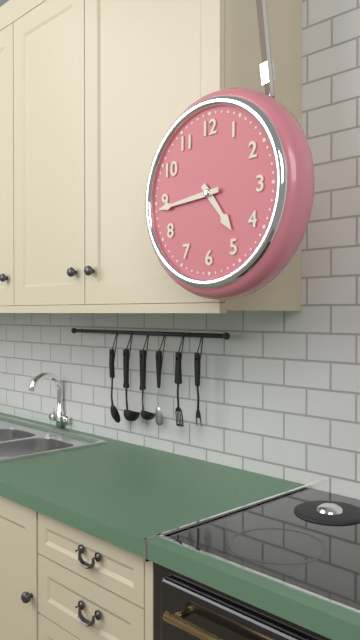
4:44
